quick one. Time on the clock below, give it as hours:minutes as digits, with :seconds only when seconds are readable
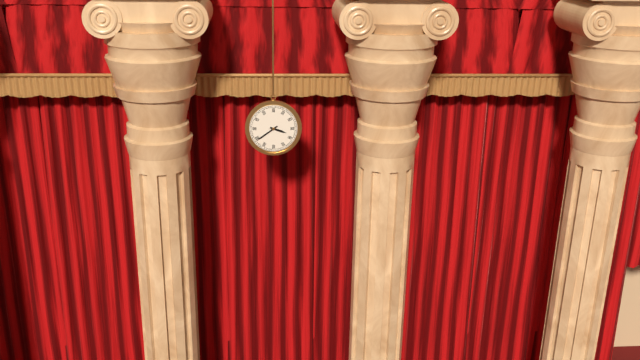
3:39
